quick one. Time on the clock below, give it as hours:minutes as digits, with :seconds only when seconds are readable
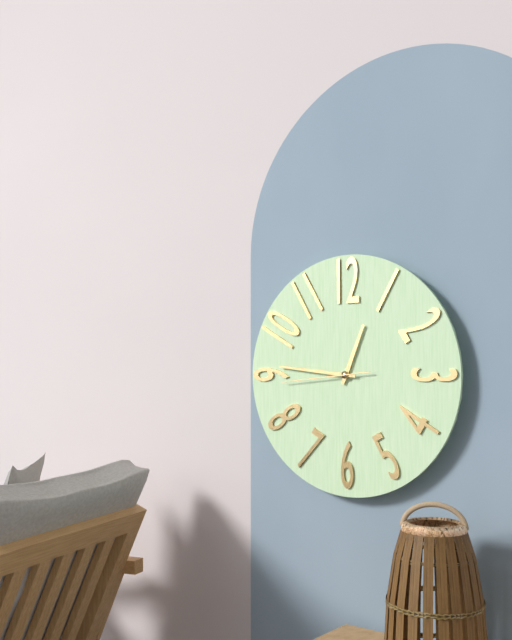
12:46:44
